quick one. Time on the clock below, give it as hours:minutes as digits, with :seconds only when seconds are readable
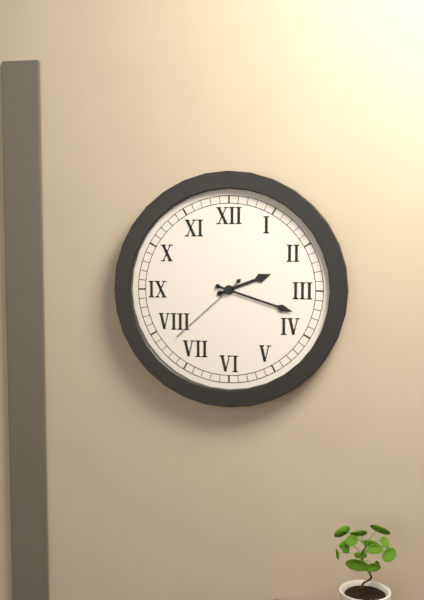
2:18:38
